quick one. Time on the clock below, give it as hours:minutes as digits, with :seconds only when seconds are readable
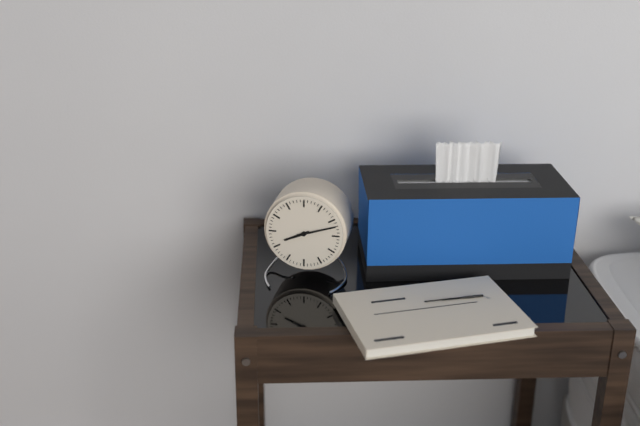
8:12
